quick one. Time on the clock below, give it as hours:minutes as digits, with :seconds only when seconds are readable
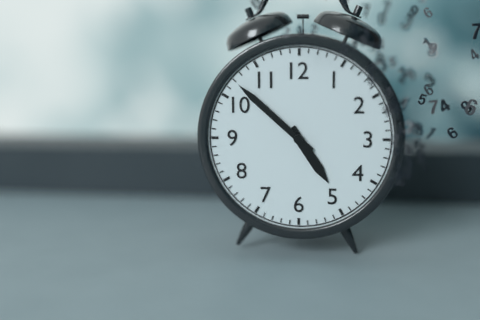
4:52
